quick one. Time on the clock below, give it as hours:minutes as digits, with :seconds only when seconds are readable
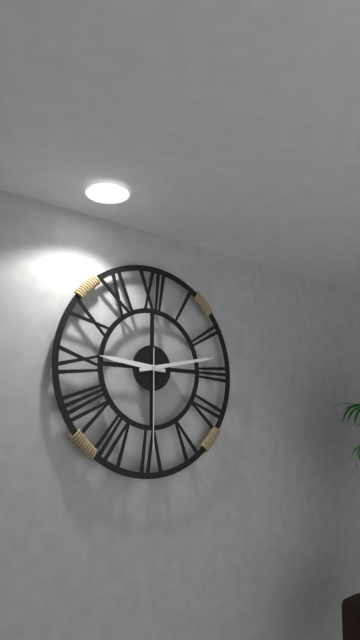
9:13:30
